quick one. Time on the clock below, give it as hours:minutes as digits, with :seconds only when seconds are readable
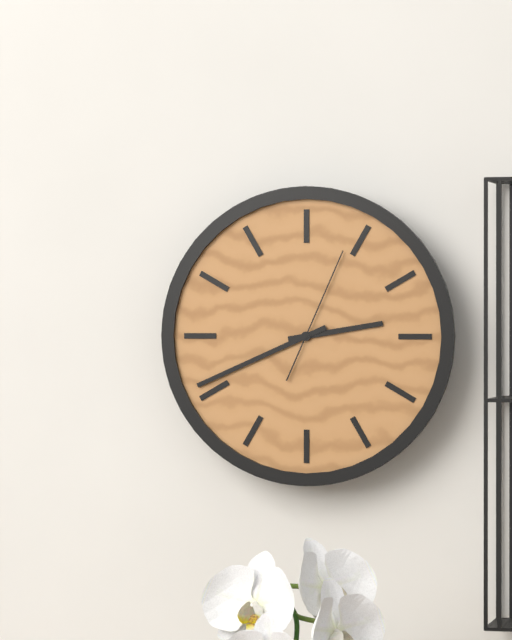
2:41:04
